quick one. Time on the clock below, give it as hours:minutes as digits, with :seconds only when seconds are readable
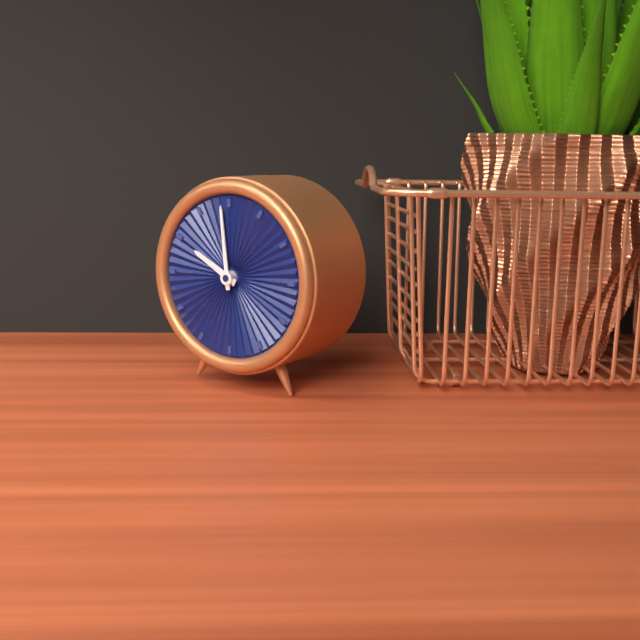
9:59
